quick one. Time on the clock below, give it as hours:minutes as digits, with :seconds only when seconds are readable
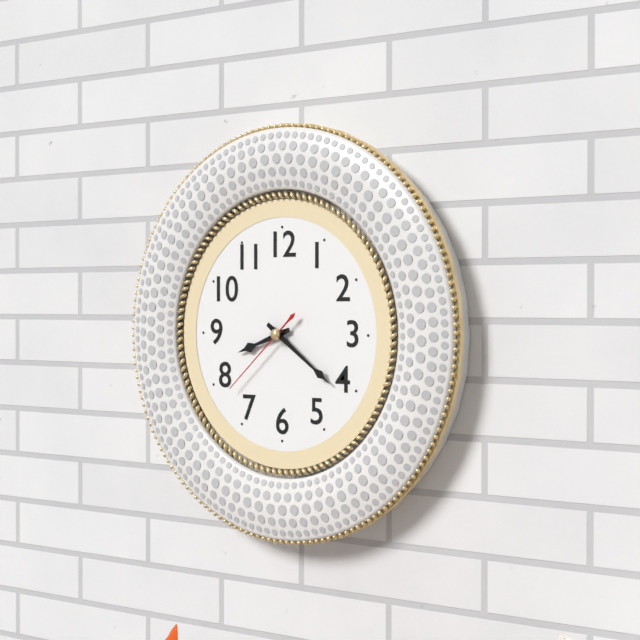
8:21:38
